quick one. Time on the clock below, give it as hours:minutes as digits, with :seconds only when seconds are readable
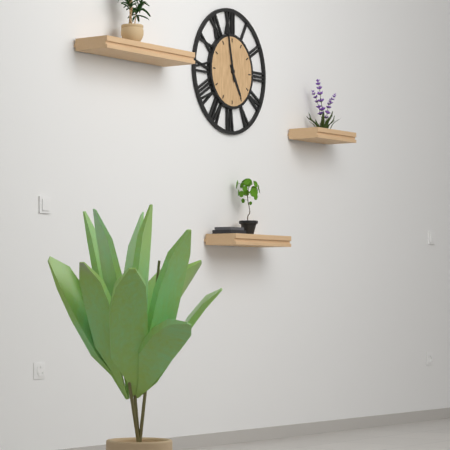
4:58
